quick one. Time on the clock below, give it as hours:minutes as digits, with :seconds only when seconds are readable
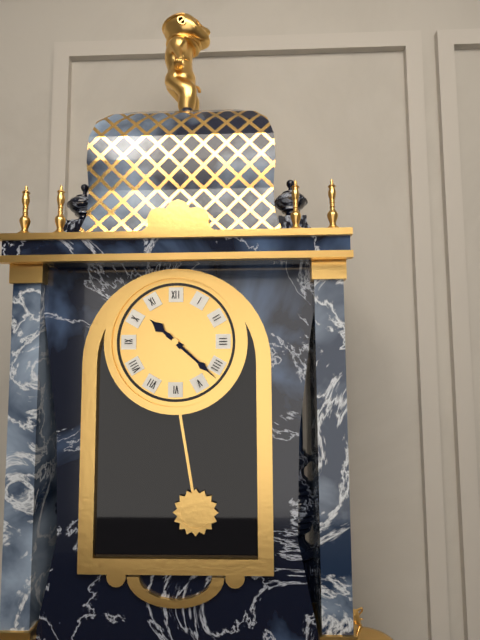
10:22
